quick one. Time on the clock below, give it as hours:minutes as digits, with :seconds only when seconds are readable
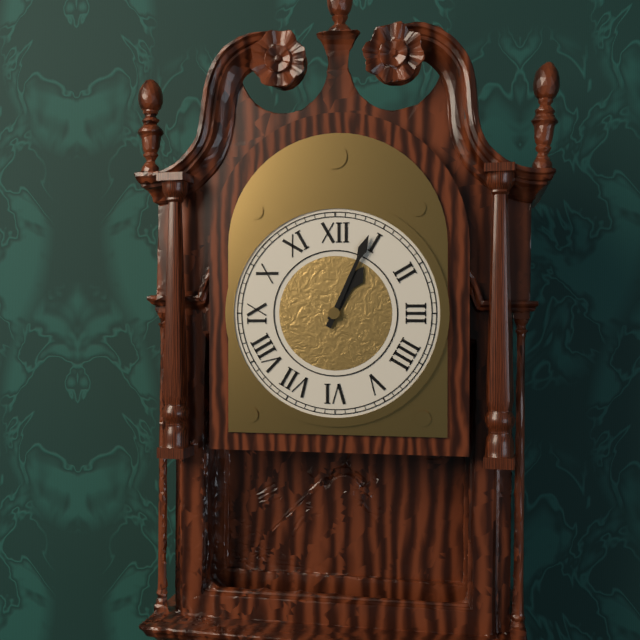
1:04
